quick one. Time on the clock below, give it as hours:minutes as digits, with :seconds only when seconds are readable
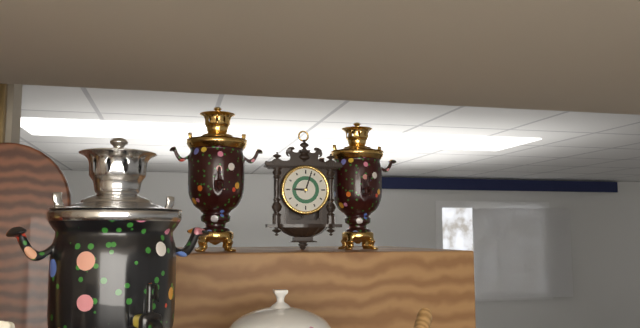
9:03
